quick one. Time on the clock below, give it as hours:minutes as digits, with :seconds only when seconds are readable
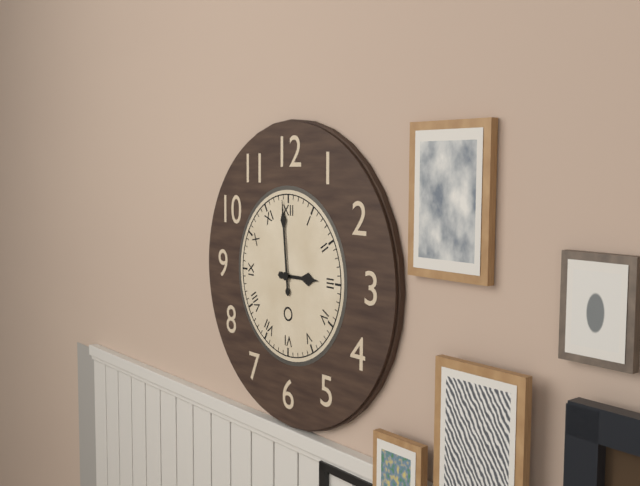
2:59
